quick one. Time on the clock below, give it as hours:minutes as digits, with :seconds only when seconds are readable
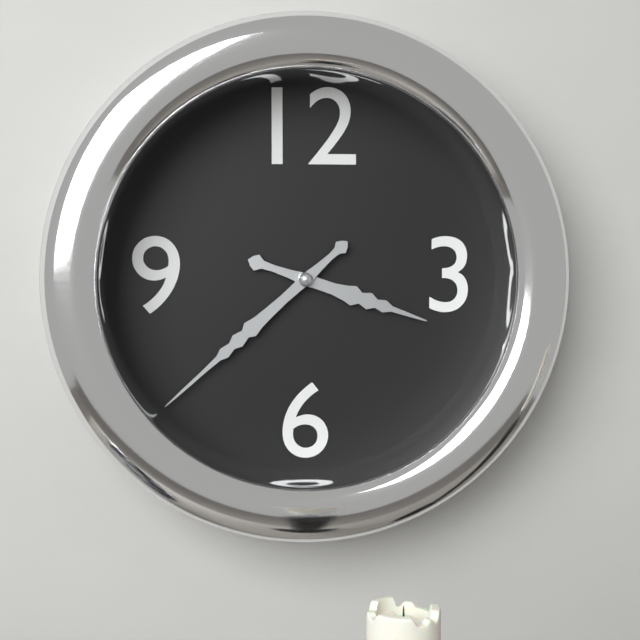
3:38
